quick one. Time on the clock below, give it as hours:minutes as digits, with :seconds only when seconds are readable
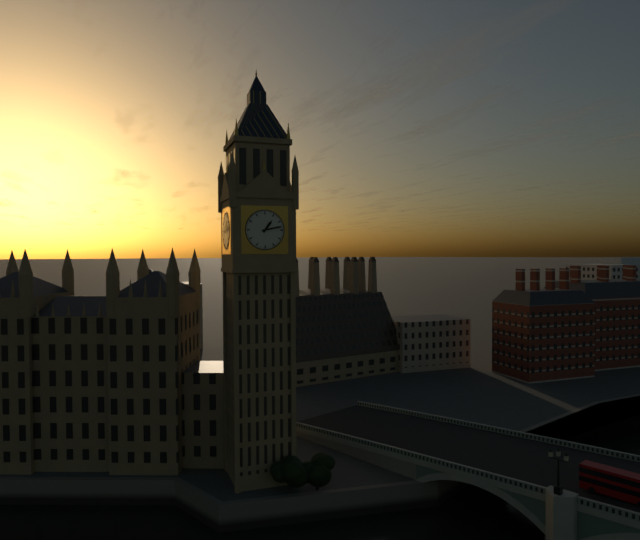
1:13
